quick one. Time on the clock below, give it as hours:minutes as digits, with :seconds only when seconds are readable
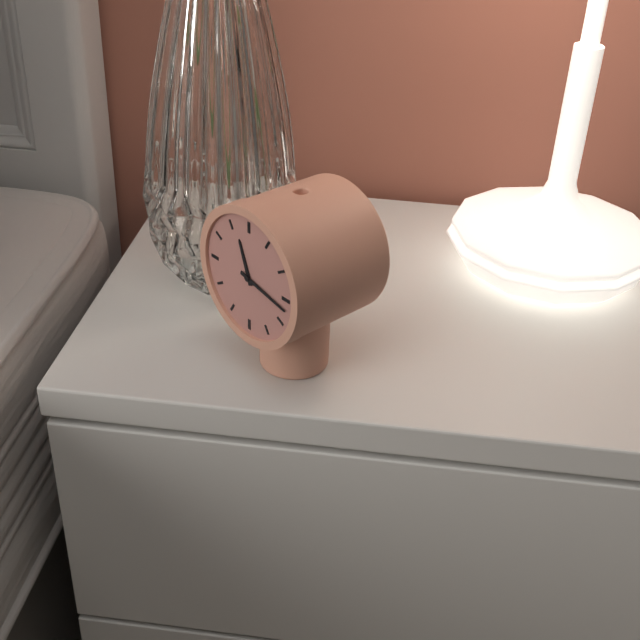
11:17
